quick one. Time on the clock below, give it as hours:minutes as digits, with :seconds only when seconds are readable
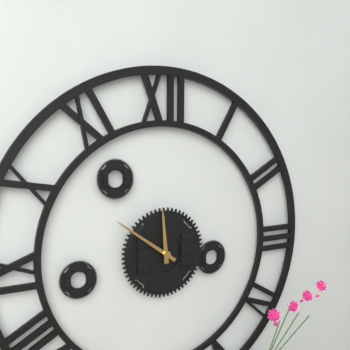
11:51
